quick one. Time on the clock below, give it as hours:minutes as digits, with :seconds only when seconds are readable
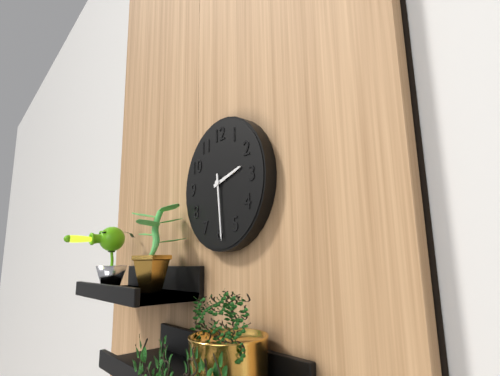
2:29
